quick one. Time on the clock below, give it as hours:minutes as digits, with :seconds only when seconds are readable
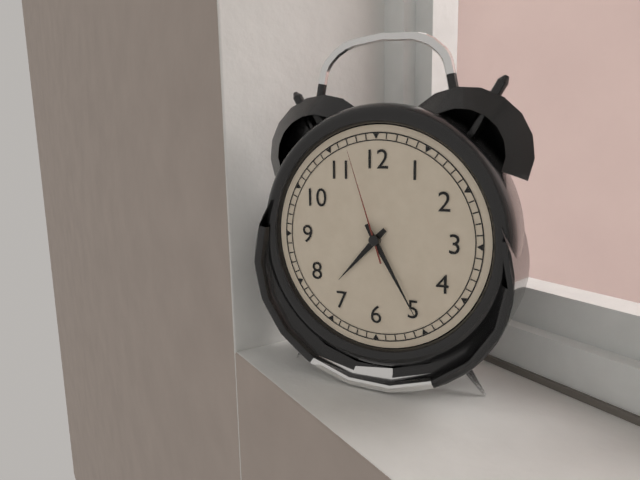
7:25:57
